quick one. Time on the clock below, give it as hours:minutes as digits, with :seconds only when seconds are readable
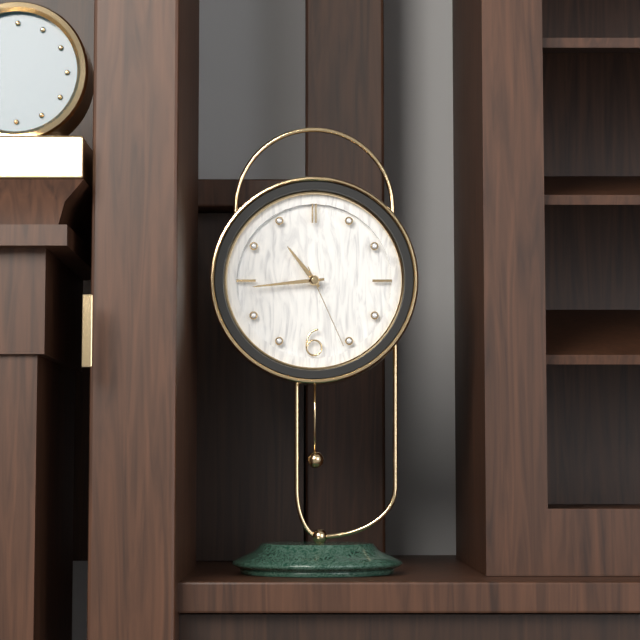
10:44:26
